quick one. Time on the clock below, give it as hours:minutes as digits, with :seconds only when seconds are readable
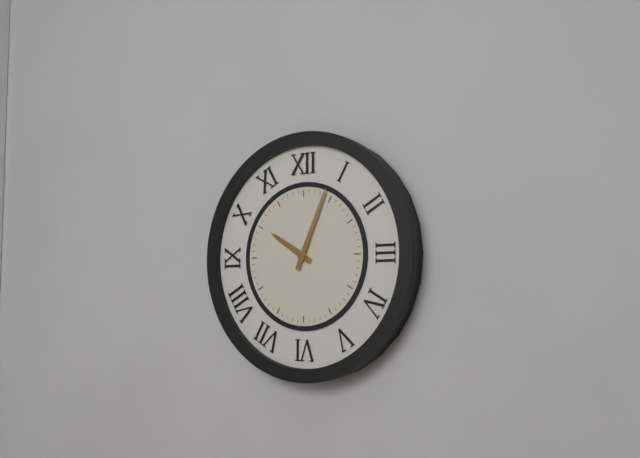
10:04
